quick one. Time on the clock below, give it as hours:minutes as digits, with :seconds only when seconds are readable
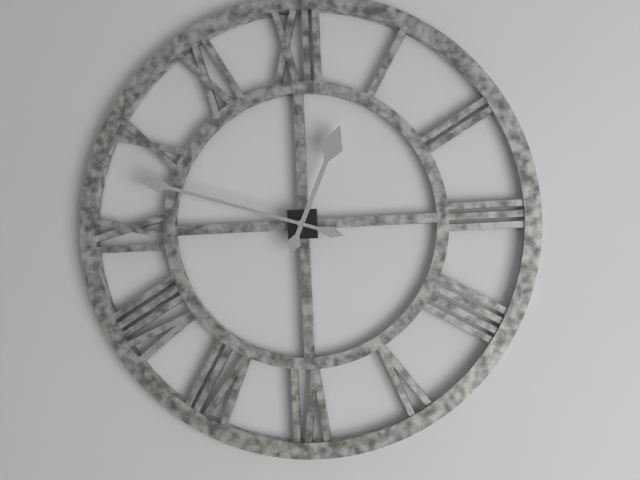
12:48
